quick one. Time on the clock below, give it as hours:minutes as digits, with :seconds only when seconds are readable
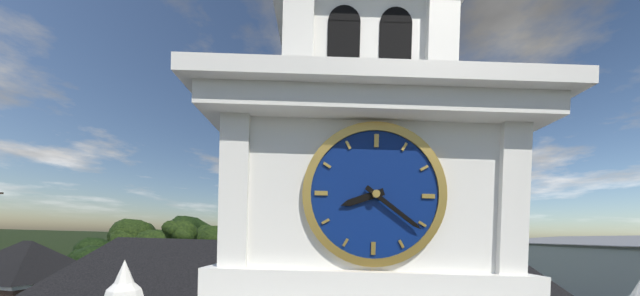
8:21
